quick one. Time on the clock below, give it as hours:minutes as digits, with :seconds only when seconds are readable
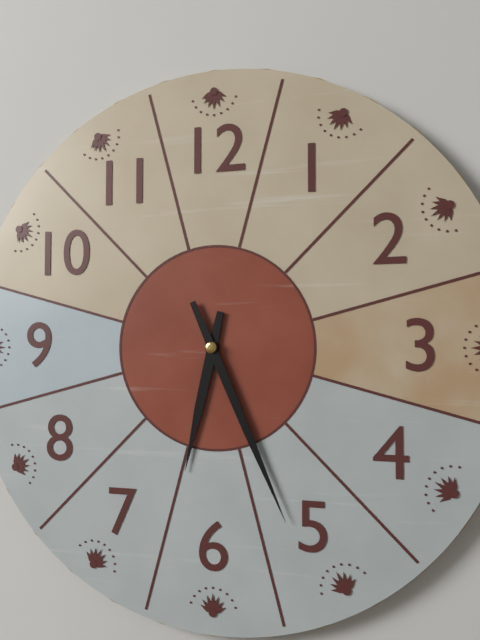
6:26
